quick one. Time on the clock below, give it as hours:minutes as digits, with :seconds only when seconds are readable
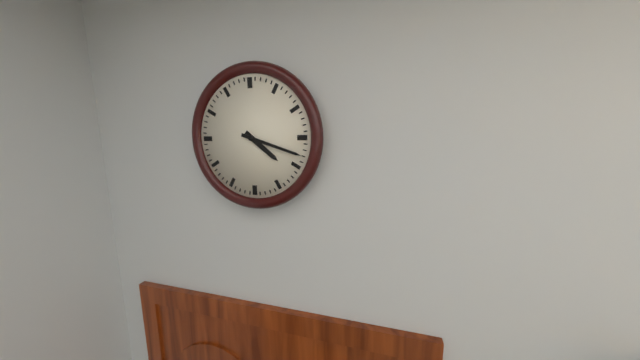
4:18
